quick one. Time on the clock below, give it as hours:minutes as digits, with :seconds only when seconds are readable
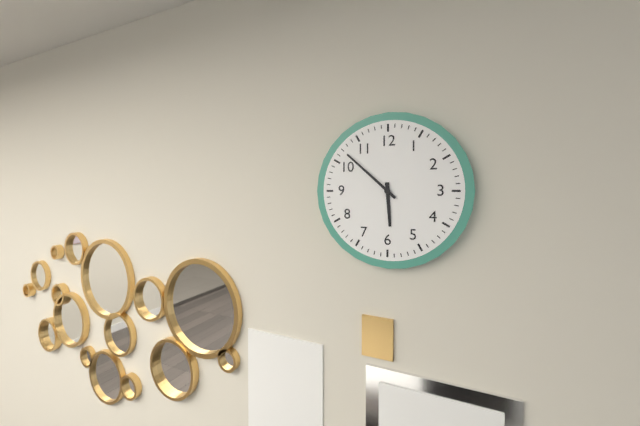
5:52
